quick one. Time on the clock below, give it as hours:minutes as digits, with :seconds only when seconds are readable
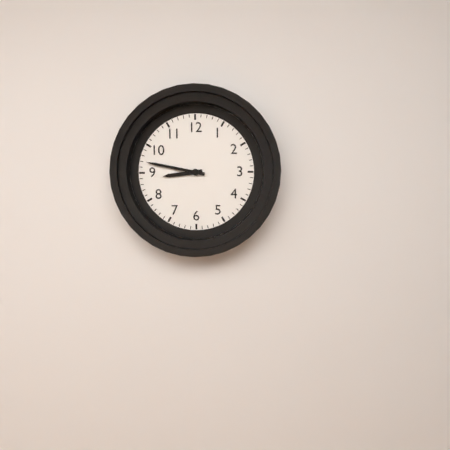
8:47
